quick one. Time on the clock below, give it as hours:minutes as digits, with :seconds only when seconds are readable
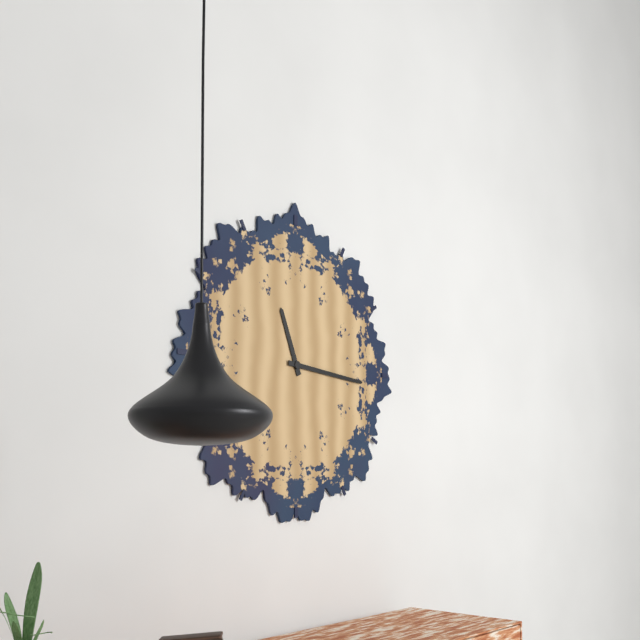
11:16
